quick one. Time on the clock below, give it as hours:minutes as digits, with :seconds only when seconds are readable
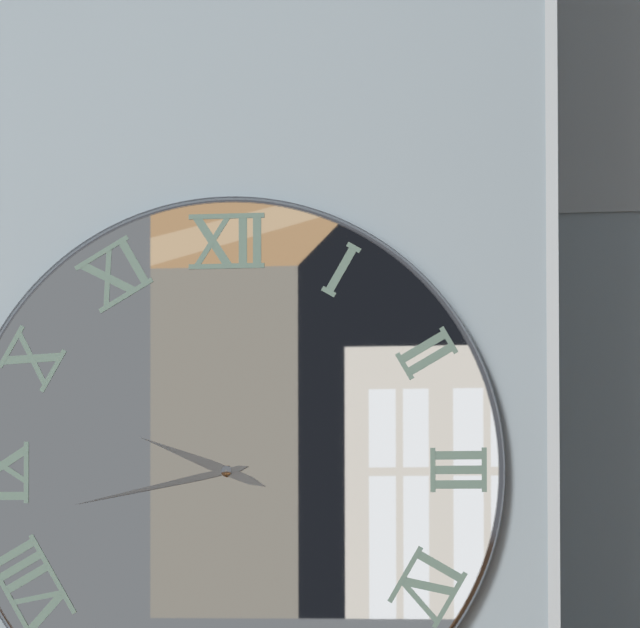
9:43
